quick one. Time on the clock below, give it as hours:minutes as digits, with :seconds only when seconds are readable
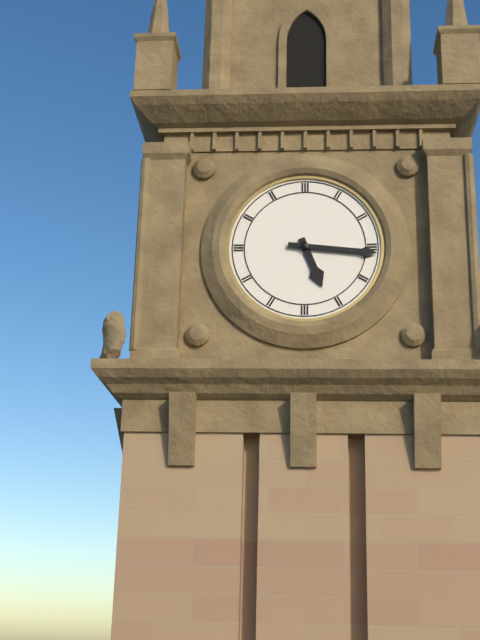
5:16
